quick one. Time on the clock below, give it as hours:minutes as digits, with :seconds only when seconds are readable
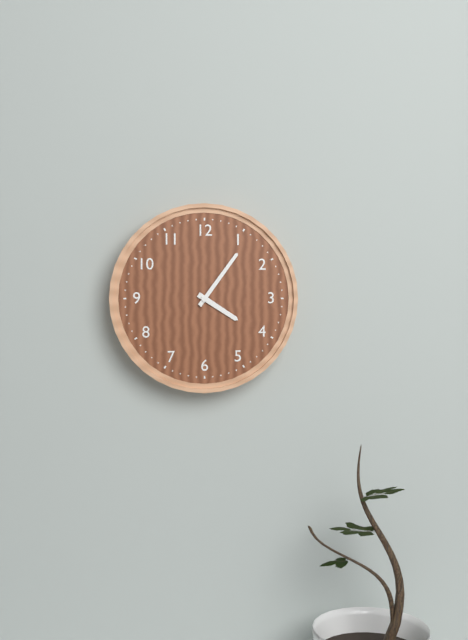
4:06
